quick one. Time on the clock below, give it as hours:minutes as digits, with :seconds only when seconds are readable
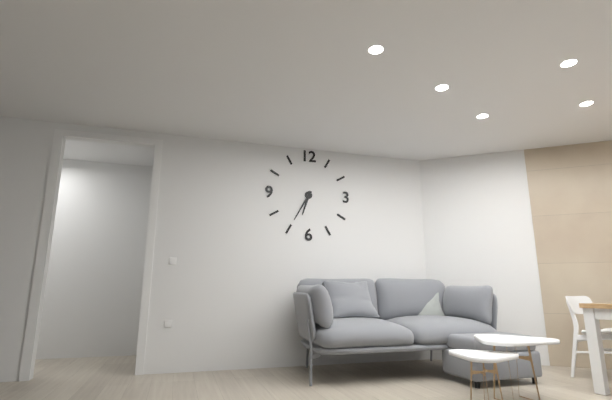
6:35
